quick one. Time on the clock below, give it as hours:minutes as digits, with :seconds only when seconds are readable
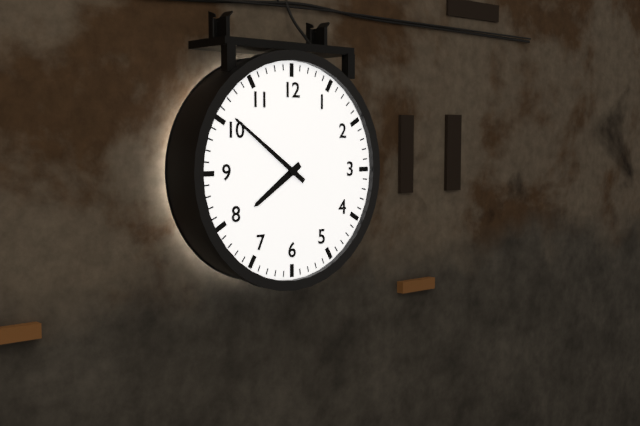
7:51
